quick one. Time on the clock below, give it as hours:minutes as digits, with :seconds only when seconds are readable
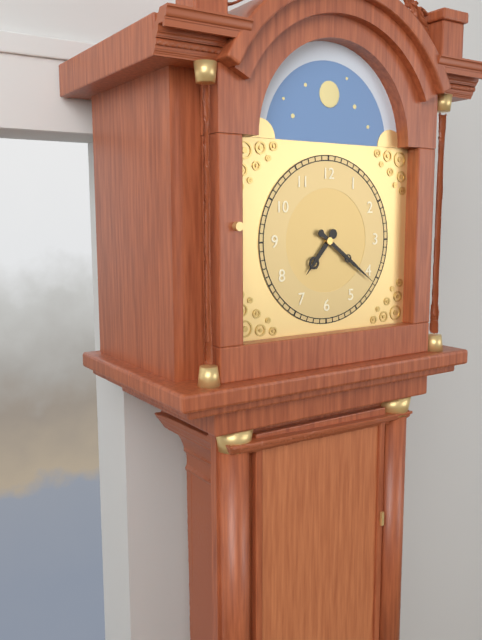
7:21
